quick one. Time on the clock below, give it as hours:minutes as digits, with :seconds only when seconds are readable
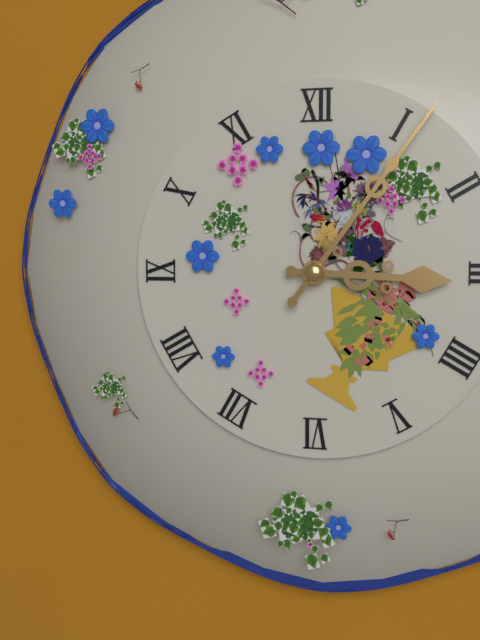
3:06
